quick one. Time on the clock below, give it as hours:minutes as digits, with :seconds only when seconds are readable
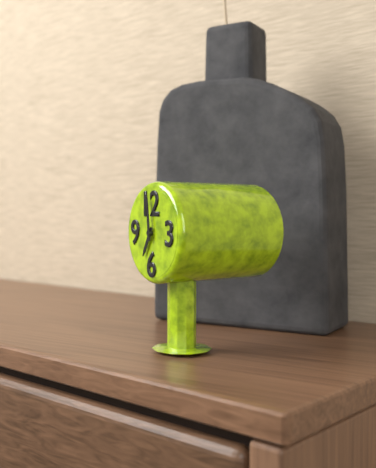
6:59
